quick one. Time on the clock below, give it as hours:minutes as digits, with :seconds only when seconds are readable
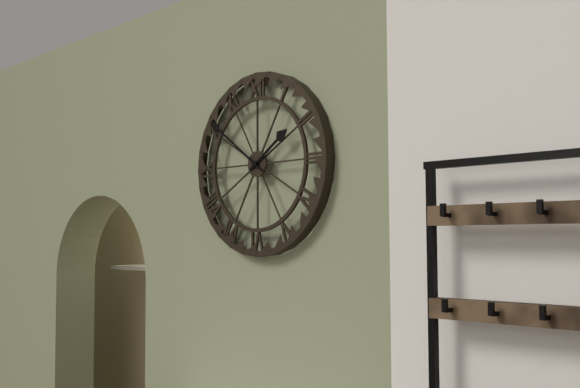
1:51
